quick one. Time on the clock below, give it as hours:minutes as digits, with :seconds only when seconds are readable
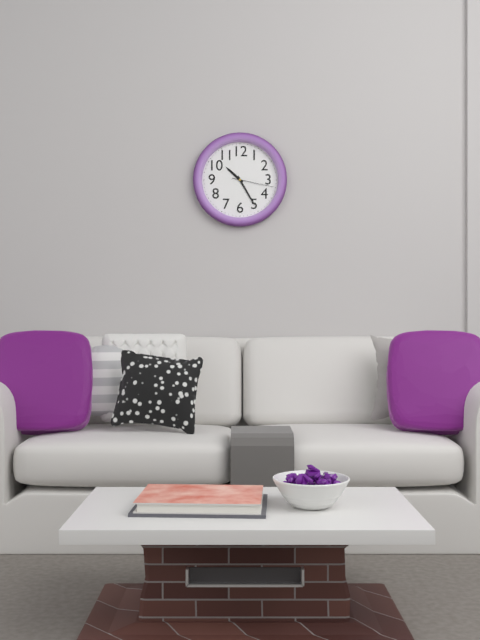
10:25
